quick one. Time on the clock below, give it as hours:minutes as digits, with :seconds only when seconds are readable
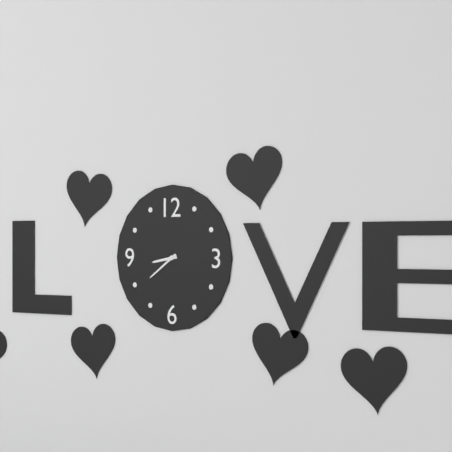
8:39
